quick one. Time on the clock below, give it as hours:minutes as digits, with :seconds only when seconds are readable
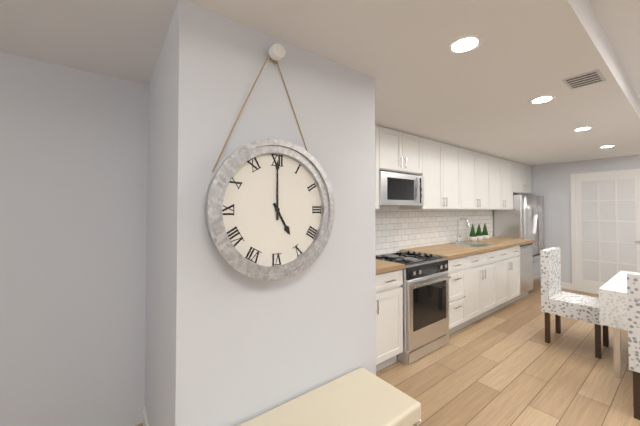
5:00
